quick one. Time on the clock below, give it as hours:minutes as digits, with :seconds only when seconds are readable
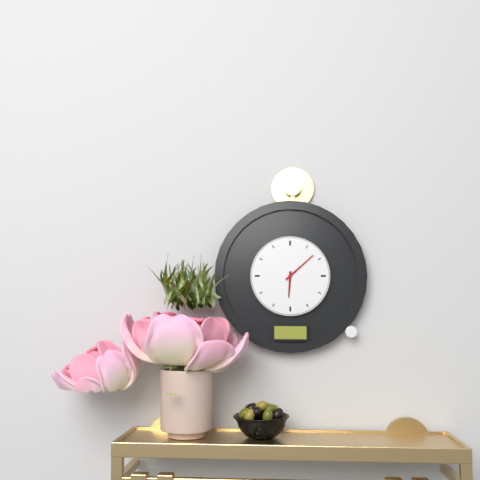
6:08
